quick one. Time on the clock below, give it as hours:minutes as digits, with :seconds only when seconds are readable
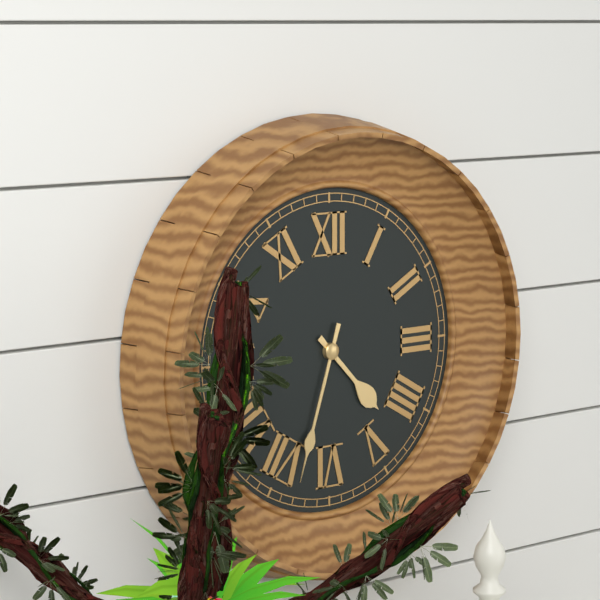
4:33
